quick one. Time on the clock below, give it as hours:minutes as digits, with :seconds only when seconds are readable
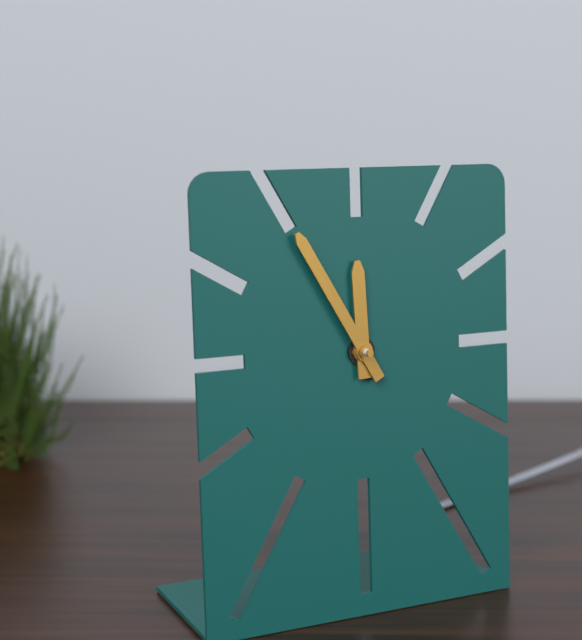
11:55
